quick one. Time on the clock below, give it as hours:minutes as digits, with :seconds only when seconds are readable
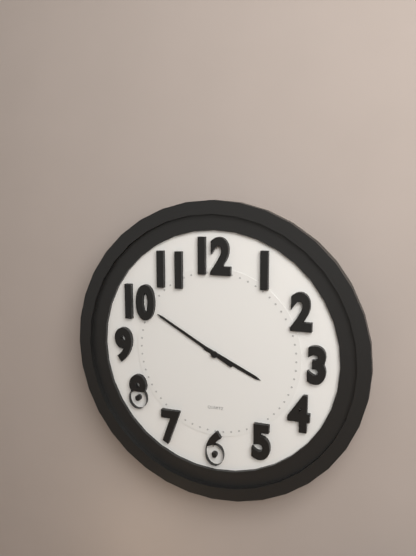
3:50
